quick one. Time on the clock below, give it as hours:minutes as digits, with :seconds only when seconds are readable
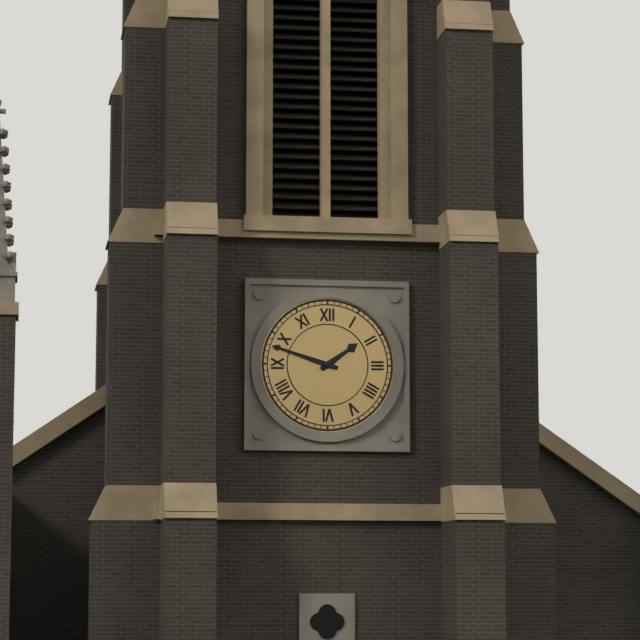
1:48
